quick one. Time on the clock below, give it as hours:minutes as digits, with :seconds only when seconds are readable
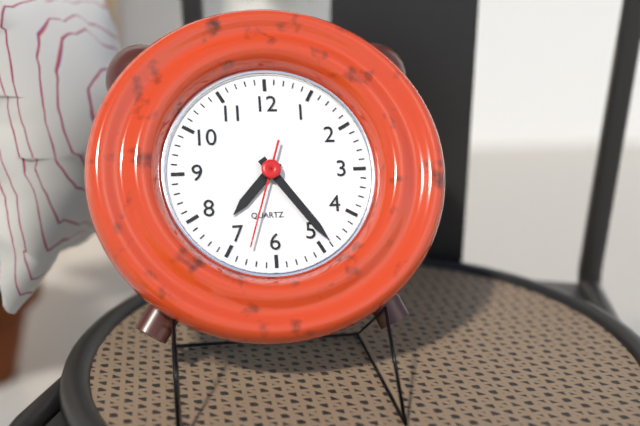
7:24:33
